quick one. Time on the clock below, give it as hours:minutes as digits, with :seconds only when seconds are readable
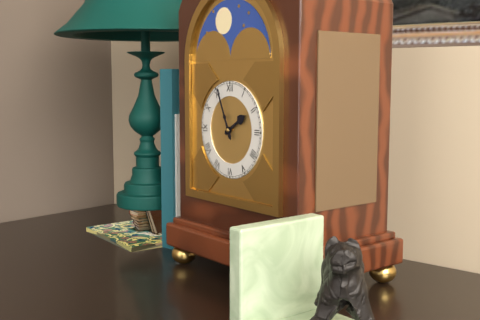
1:56
